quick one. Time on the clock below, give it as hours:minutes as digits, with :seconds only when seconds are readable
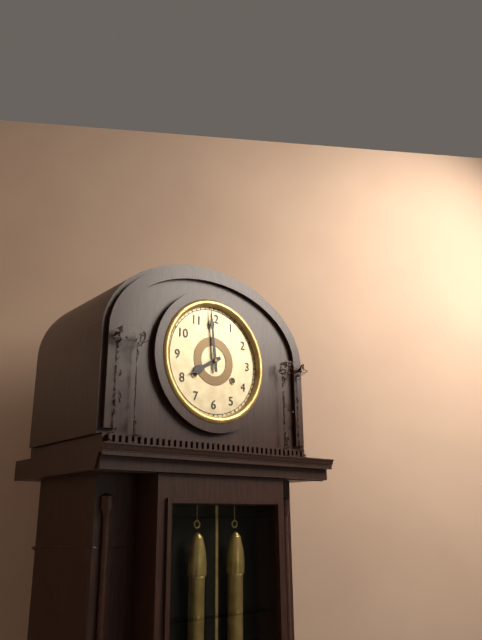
7:59
